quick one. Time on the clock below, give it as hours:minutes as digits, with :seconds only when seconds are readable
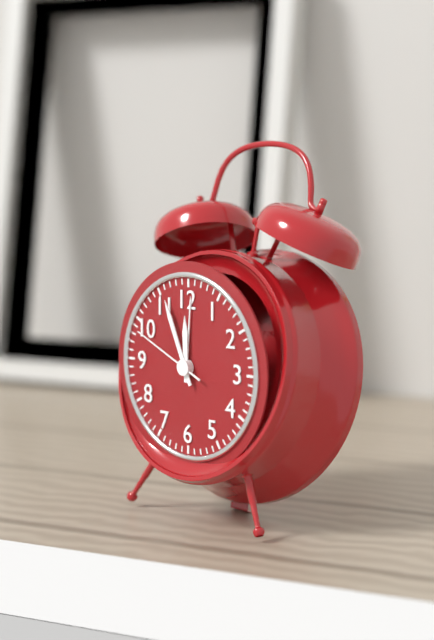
11:56:49
